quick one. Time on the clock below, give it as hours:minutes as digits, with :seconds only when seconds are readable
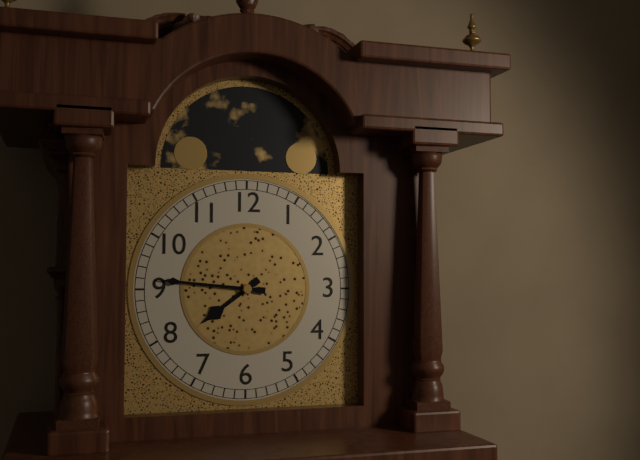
7:46
